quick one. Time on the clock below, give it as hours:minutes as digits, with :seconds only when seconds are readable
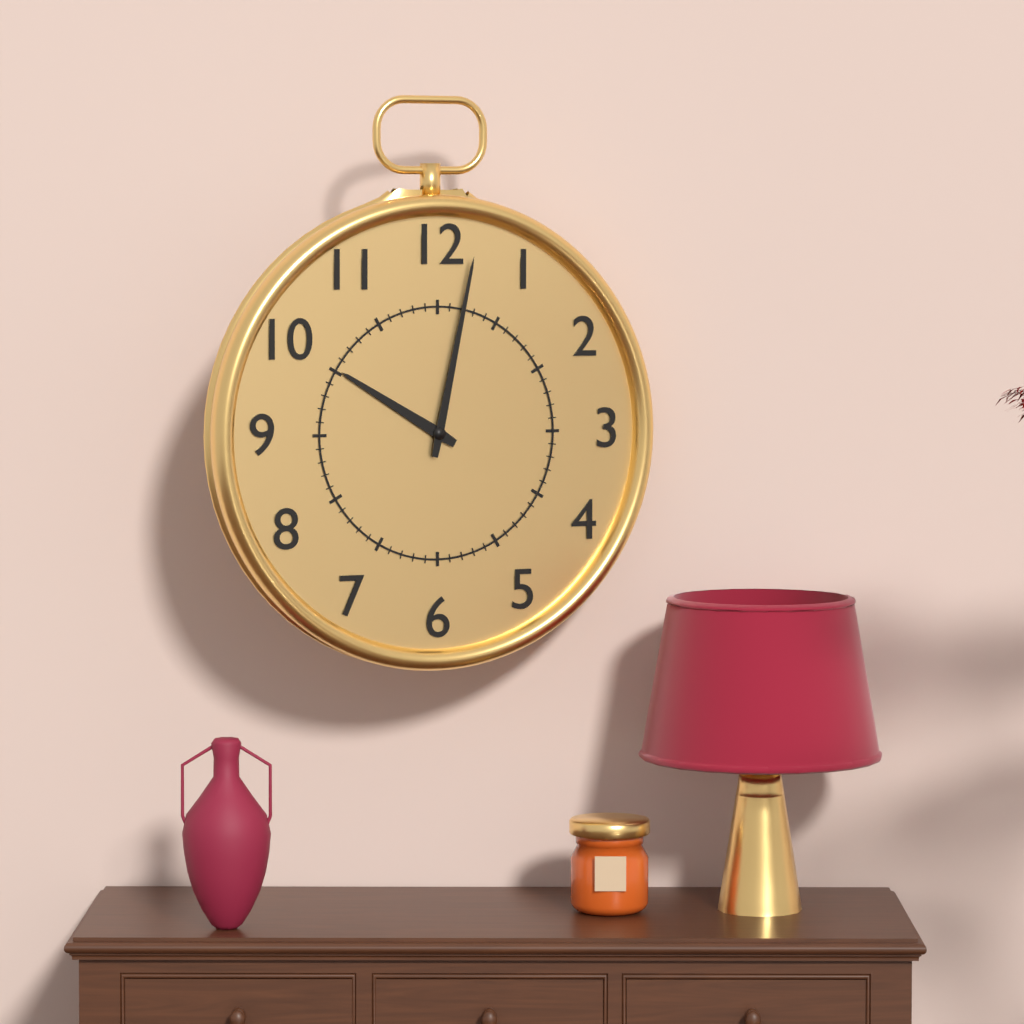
10:02
